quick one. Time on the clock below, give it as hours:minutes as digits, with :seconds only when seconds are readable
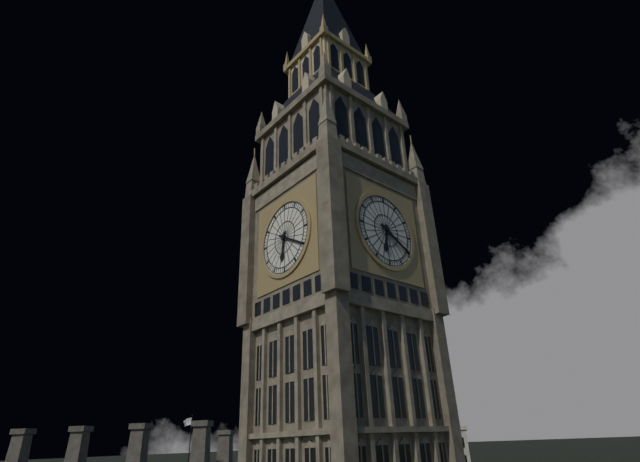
6:20
